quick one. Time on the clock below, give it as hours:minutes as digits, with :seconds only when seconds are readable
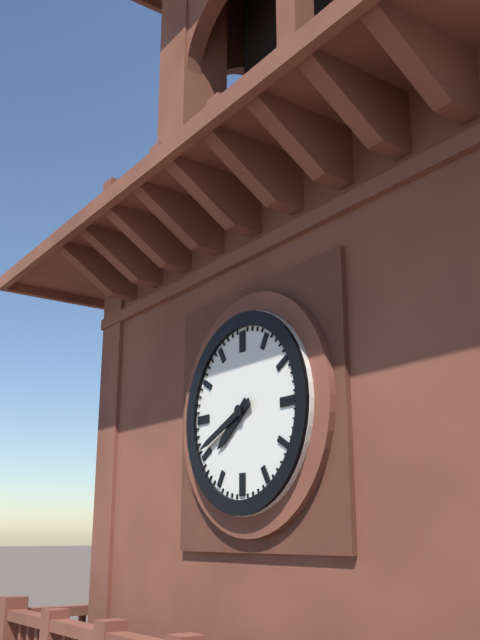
7:41
